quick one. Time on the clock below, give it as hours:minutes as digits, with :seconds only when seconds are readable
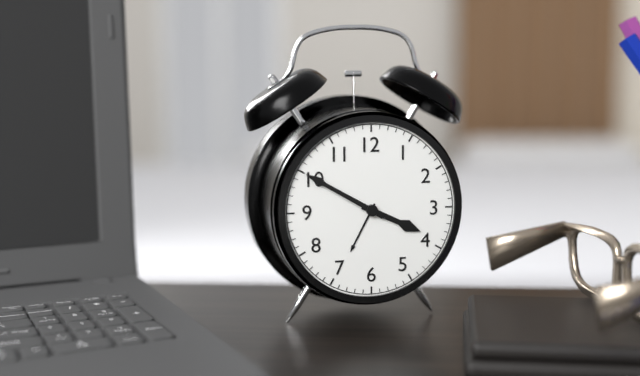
3:50
